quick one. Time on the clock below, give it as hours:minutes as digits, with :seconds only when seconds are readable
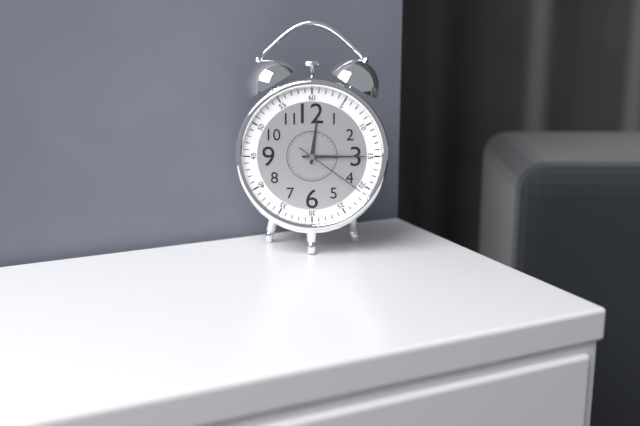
12:15:21
